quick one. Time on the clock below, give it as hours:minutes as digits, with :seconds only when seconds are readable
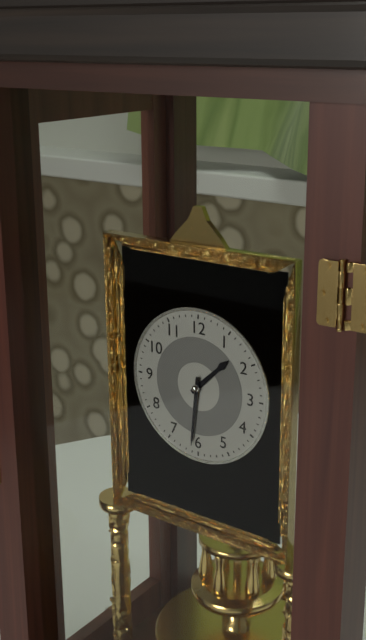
1:31
